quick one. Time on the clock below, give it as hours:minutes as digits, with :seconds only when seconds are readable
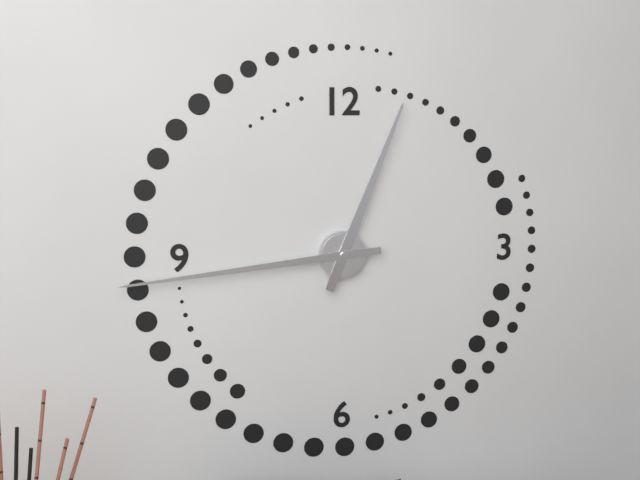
12:44
